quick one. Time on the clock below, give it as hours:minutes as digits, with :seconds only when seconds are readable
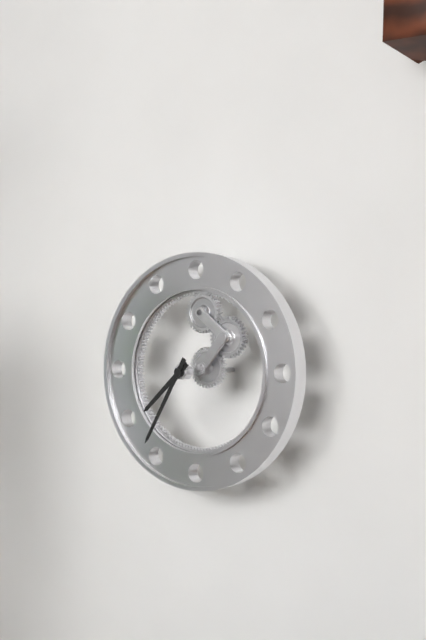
7:35
